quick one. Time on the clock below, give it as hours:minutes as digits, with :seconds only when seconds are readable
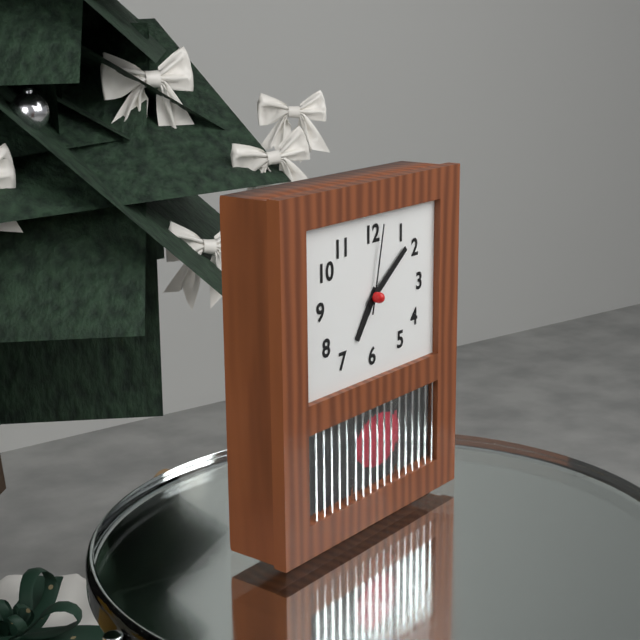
7:09:02
